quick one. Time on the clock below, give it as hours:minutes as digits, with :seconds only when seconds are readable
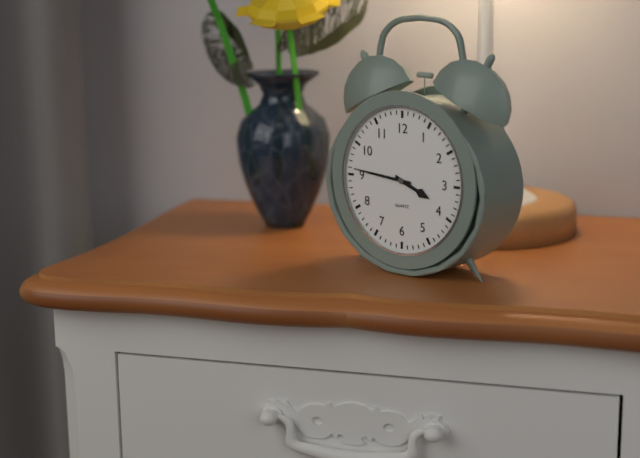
3:46
